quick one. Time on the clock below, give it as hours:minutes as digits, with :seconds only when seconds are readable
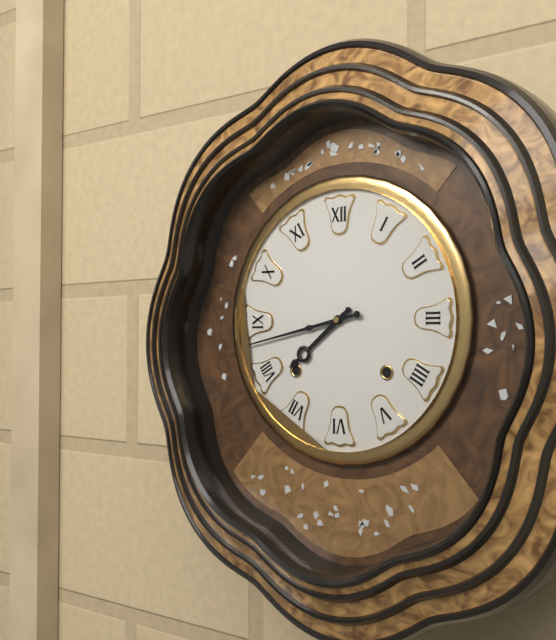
7:43
